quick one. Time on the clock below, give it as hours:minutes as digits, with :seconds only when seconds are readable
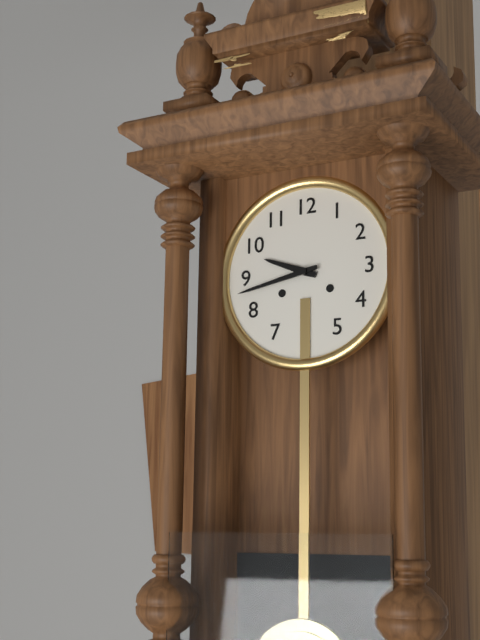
9:43
